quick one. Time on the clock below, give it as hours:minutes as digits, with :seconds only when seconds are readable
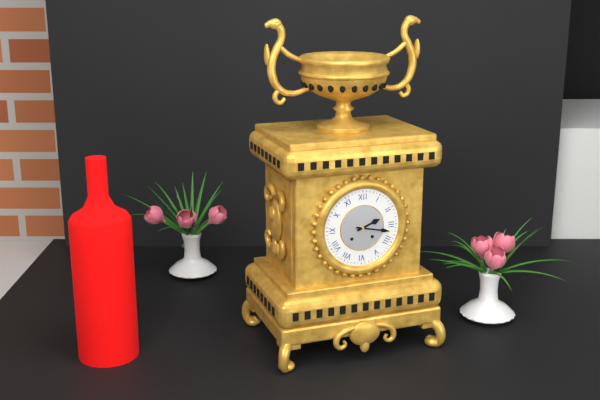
2:17
